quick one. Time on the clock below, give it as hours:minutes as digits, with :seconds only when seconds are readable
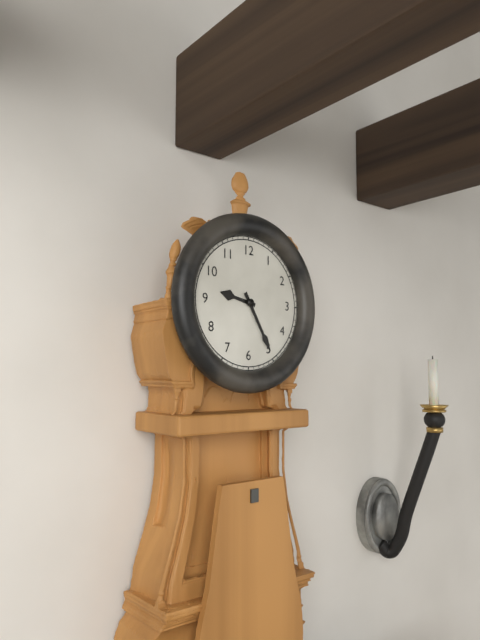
9:25
